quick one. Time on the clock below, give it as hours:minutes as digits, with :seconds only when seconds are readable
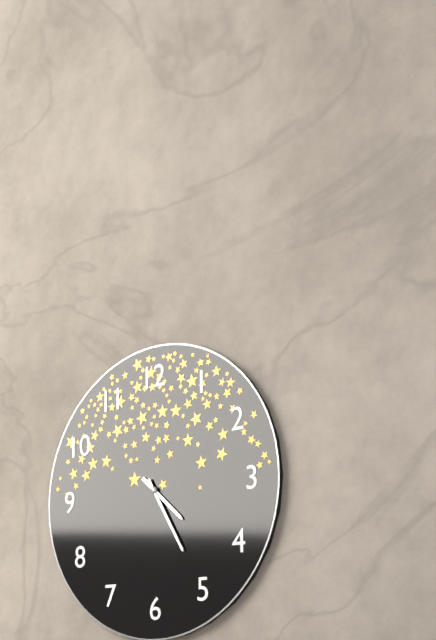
4:25
